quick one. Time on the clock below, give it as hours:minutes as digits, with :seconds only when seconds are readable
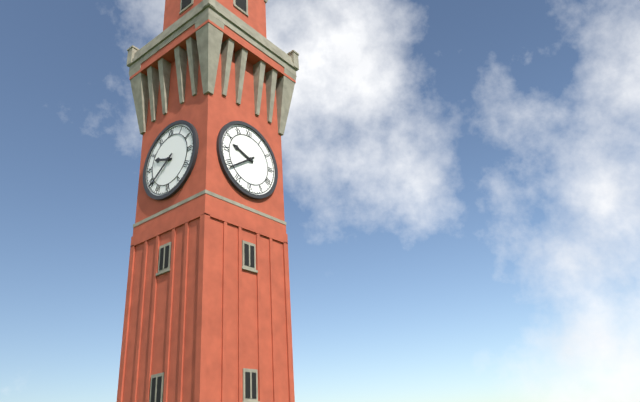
9:39
